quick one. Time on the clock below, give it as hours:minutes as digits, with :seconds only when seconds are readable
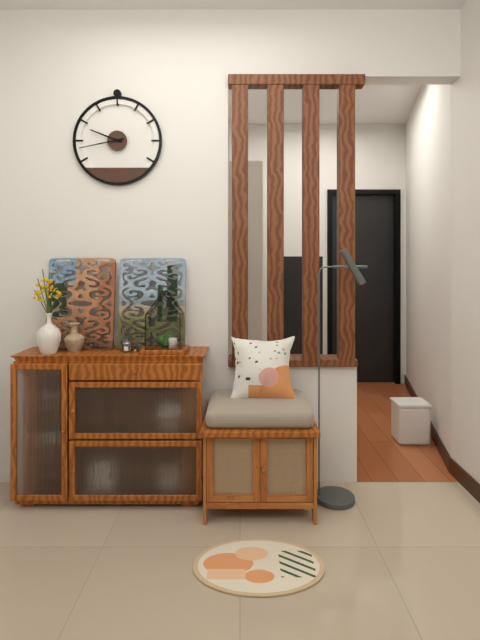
9:43
